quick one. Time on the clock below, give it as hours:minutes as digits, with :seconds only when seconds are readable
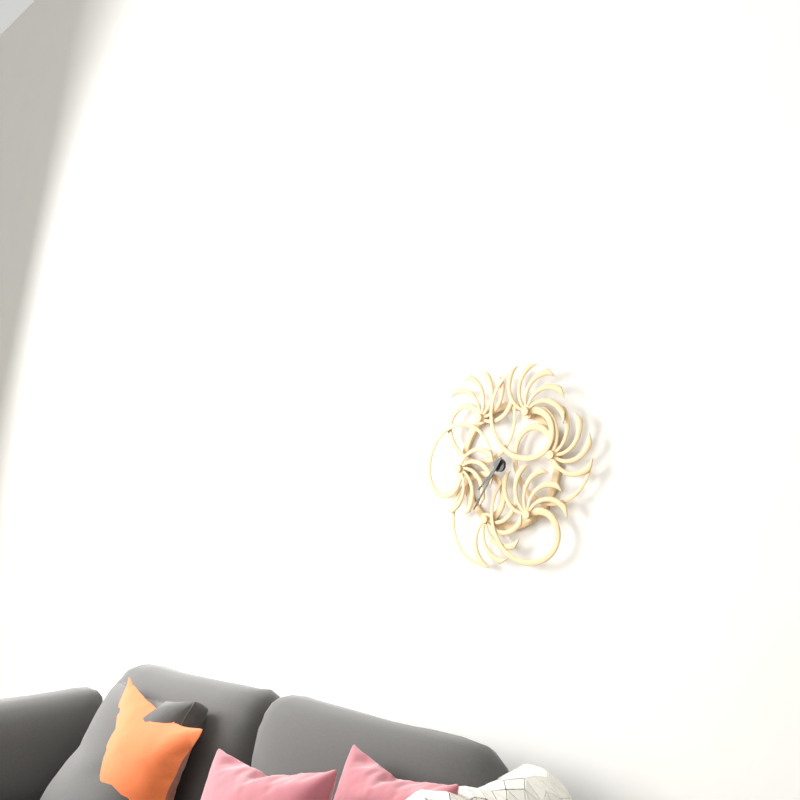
7:36
